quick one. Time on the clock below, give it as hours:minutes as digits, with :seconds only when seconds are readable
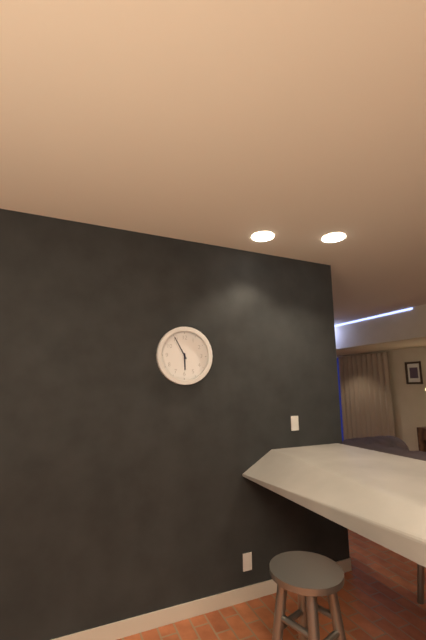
5:55
